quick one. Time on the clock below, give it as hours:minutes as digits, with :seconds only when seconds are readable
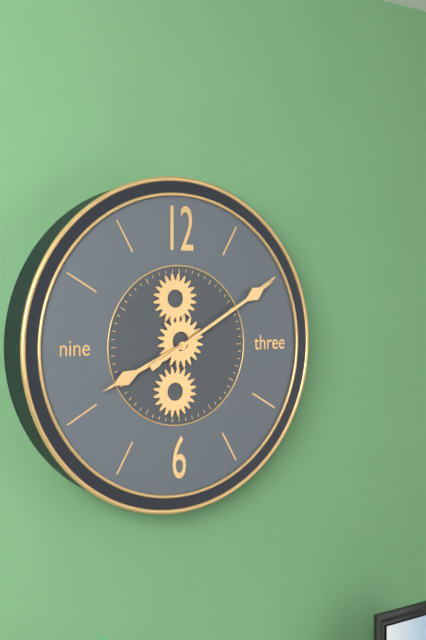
8:10
